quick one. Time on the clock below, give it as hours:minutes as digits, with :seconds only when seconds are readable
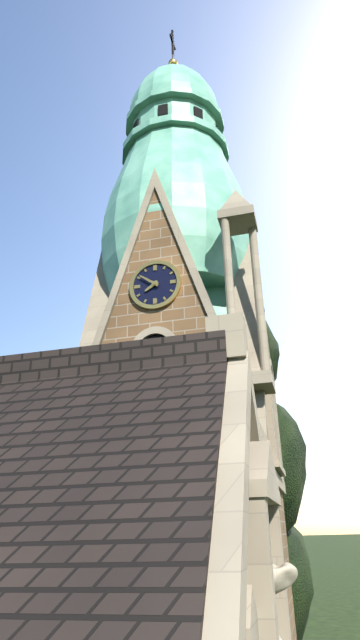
7:51
